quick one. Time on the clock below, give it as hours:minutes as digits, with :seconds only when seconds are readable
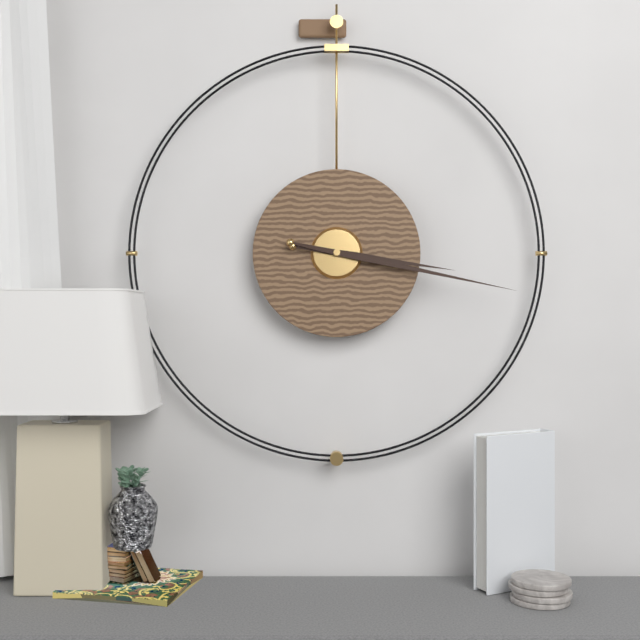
3:17
